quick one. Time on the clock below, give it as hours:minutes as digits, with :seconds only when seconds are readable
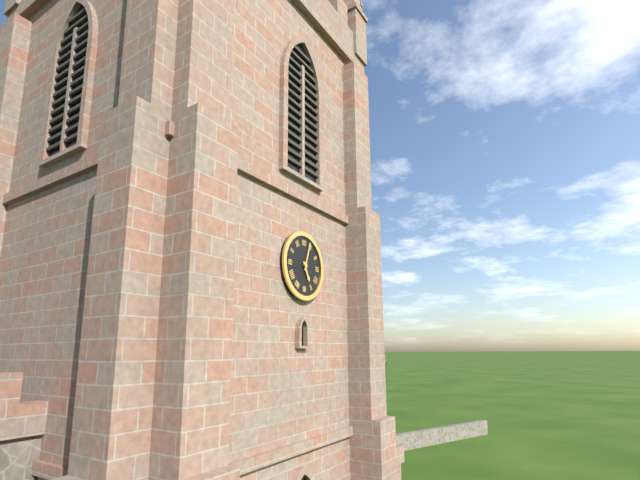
5:03
